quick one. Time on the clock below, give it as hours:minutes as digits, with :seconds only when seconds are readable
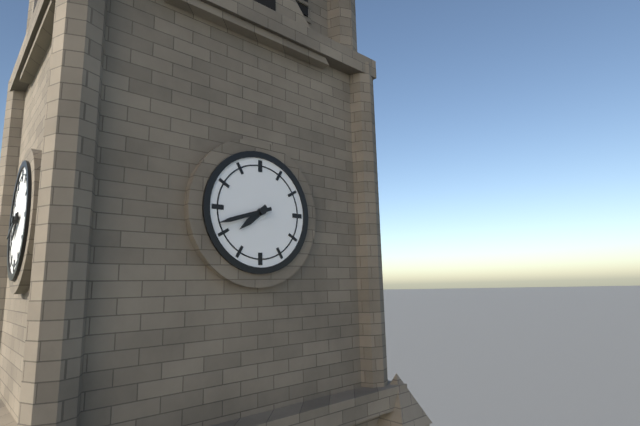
7:42
